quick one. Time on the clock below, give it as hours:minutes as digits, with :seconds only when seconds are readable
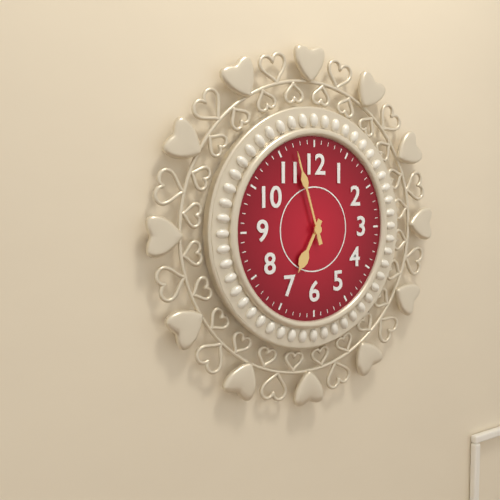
6:57
